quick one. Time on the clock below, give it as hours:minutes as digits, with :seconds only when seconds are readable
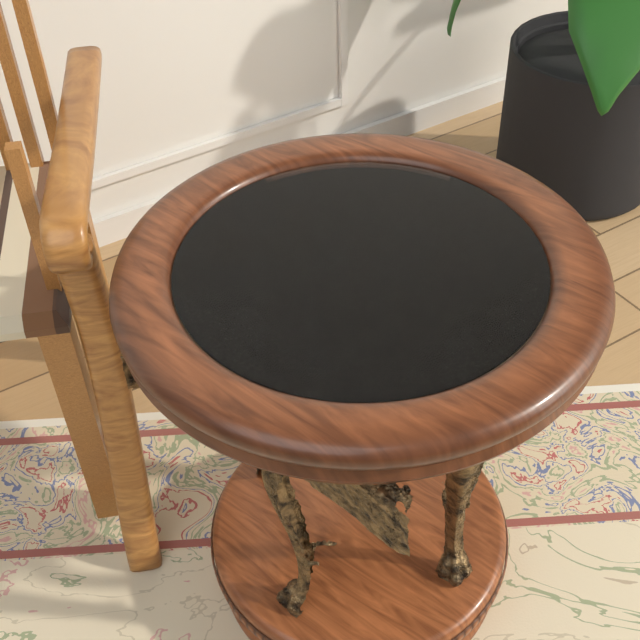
11:38
